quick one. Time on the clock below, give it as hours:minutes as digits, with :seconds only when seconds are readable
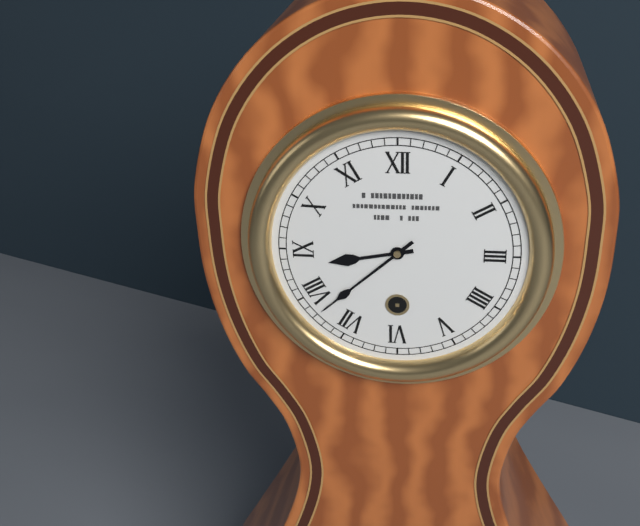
8:38
